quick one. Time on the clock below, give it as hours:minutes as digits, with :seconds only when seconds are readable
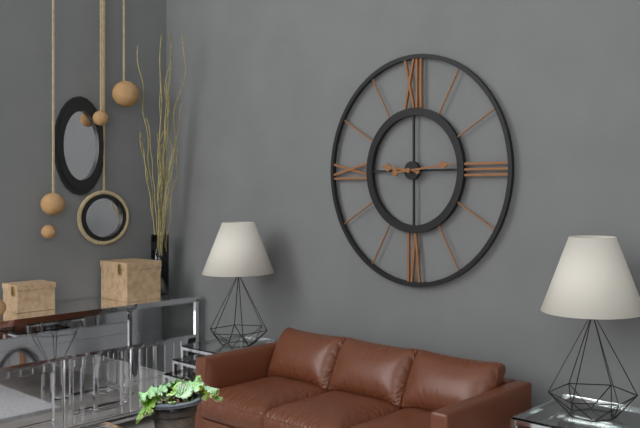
9:14
